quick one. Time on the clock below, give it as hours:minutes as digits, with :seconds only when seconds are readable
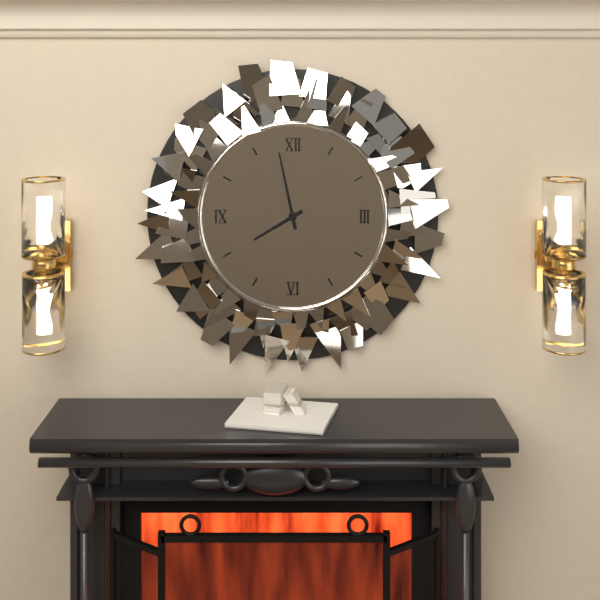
7:58
